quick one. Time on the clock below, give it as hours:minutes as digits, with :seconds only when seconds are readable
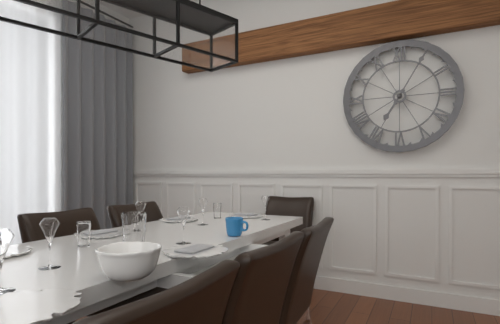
7:05
